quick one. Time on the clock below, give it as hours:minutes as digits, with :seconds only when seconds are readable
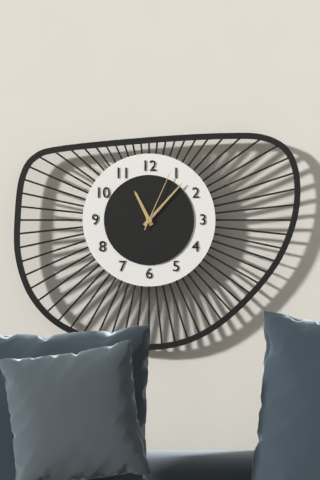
11:07:04
